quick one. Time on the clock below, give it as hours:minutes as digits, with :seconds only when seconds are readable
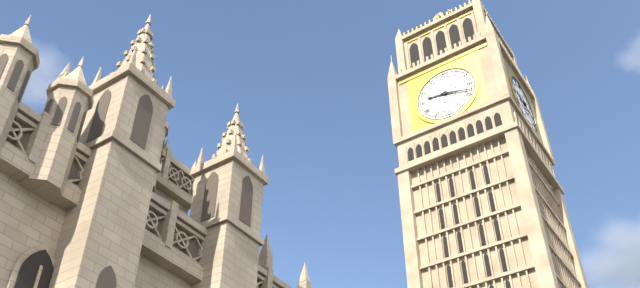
9:18
